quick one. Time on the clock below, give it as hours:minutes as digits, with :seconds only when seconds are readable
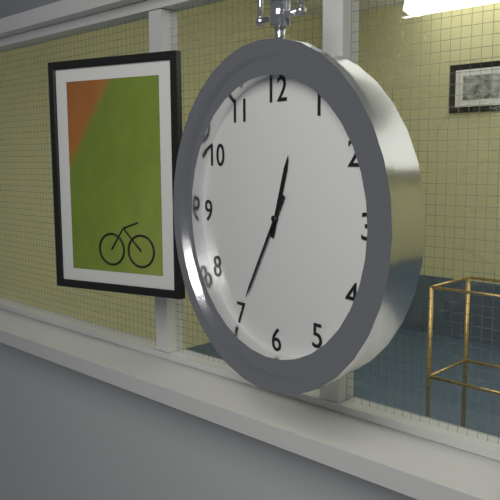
12:35
